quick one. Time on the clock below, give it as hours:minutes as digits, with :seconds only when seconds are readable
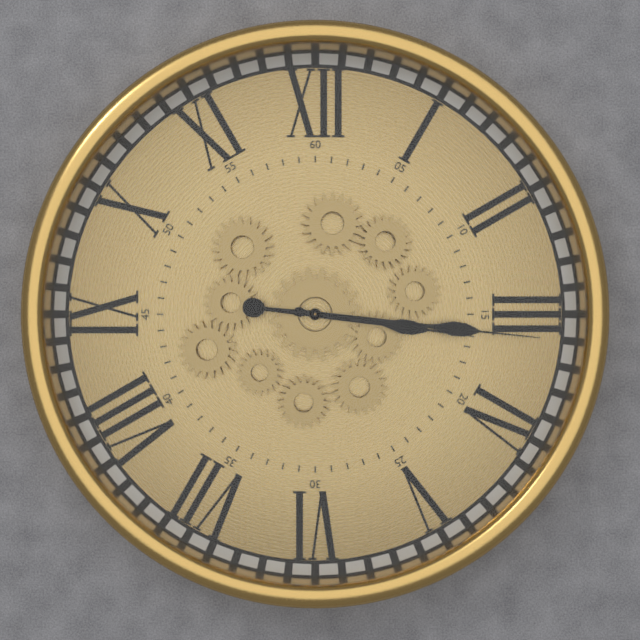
3:16
